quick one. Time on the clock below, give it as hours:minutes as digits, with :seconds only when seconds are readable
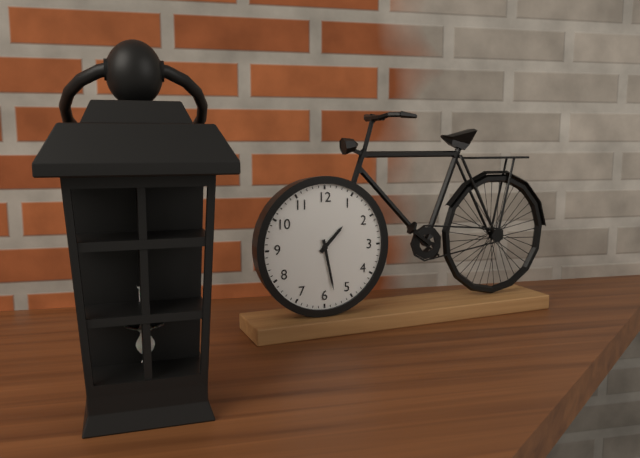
1:28
